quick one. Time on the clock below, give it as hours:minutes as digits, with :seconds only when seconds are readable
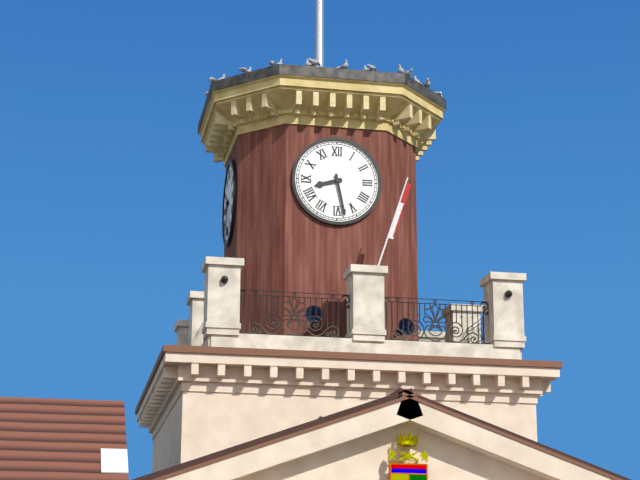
8:28
